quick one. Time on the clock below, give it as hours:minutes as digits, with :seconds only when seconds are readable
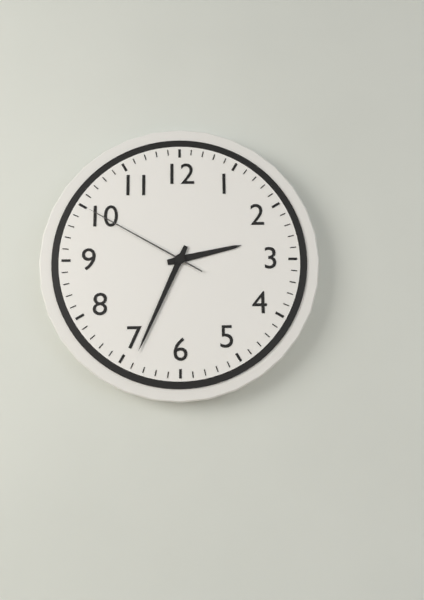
2:34:50
